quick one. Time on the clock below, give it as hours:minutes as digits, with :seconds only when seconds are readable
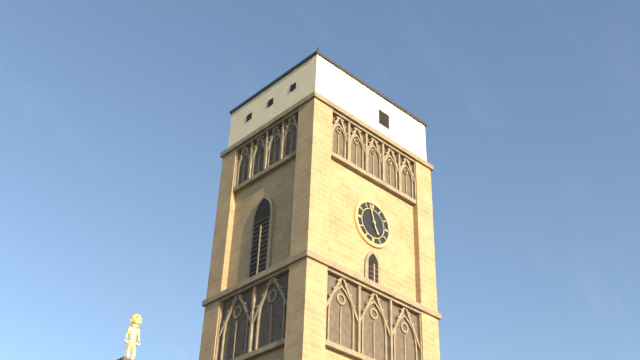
4:57
